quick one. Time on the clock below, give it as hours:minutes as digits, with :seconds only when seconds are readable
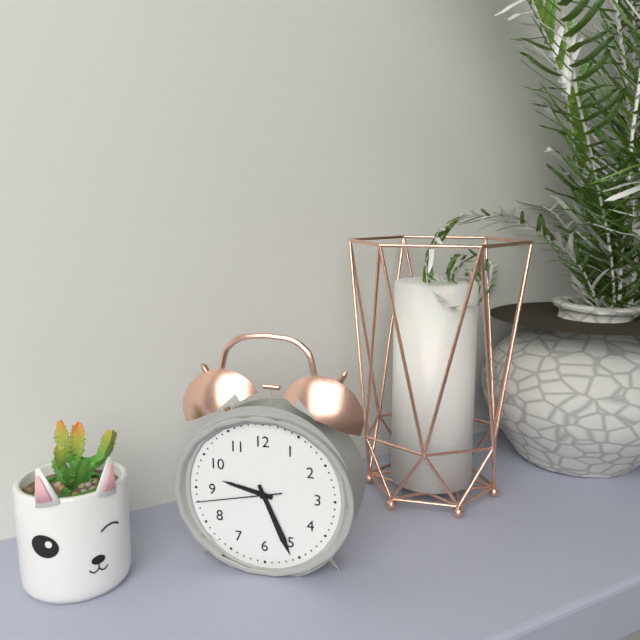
9:26:43
